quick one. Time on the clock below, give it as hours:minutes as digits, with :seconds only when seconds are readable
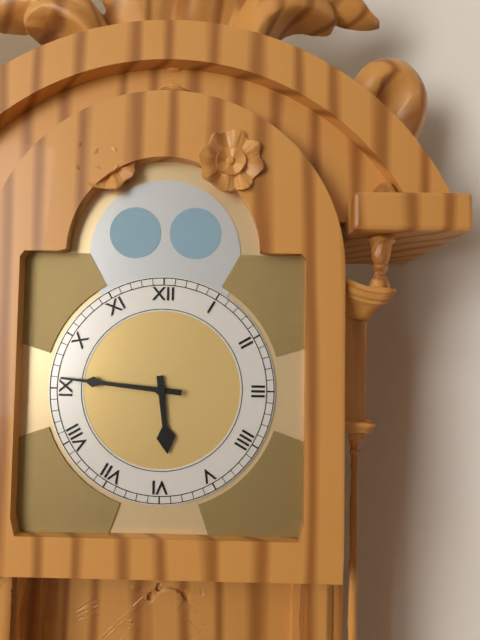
5:46
